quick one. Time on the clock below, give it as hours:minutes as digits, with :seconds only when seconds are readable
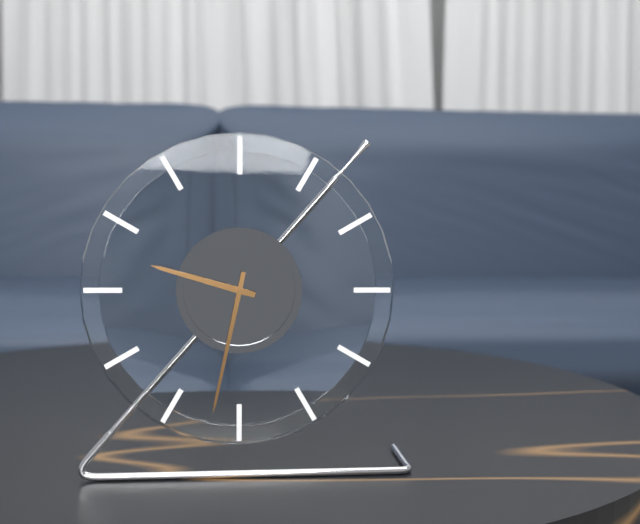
9:32
